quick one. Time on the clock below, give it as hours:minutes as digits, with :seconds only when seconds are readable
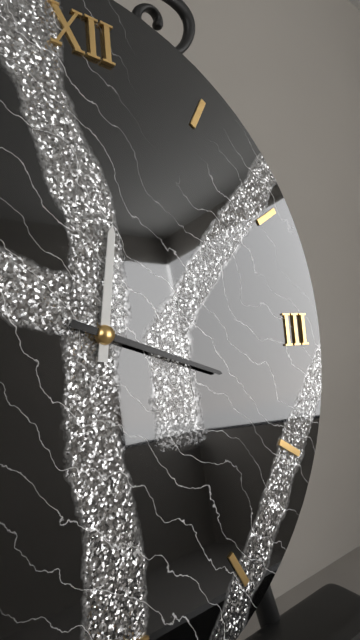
12:18
